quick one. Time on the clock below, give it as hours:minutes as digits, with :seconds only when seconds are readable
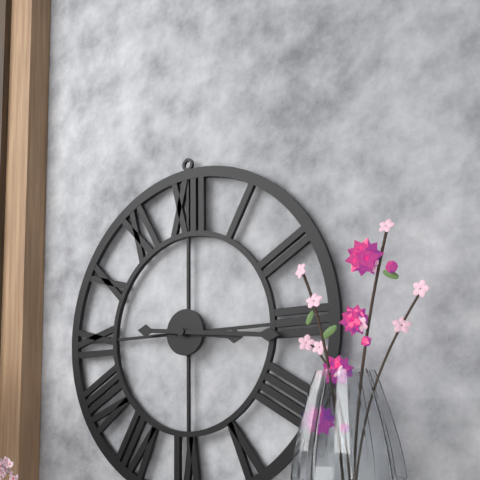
3:16
